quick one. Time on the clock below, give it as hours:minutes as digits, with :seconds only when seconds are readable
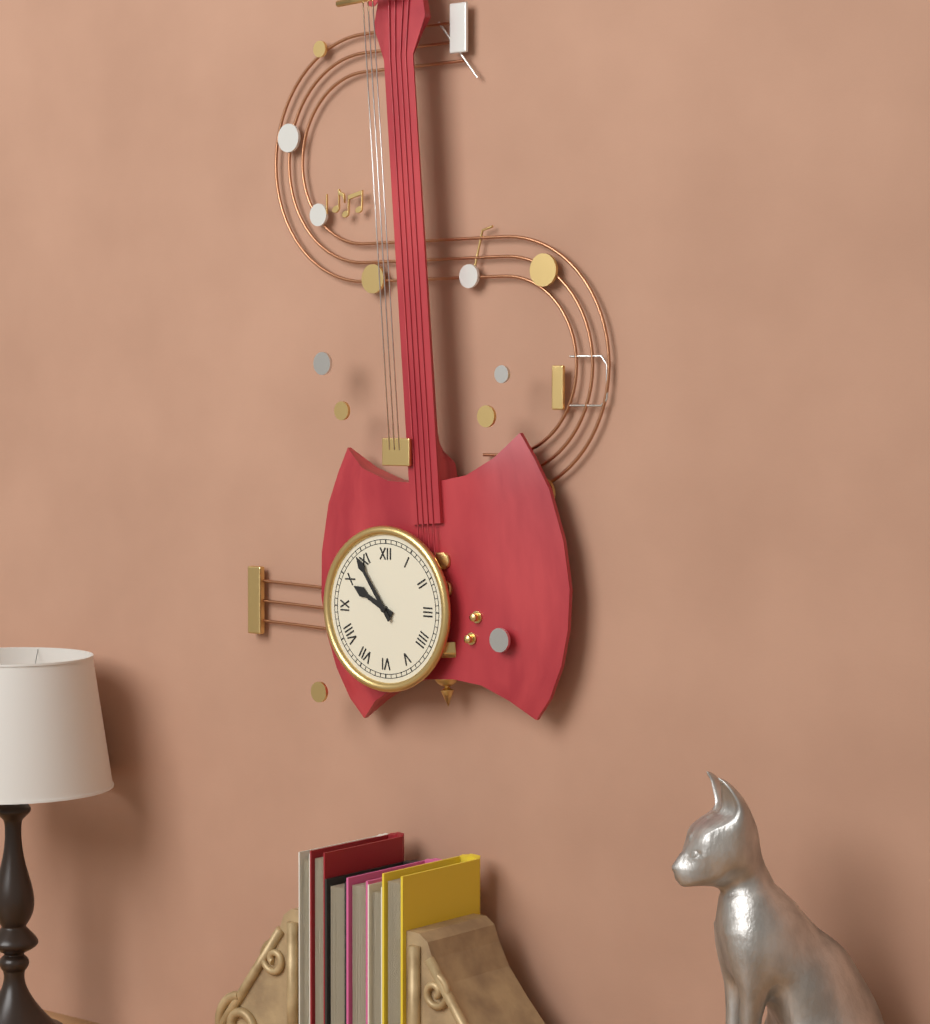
9:54
